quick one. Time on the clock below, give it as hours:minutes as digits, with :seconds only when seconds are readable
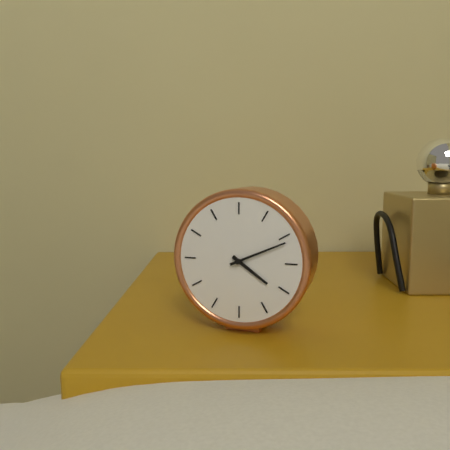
4:11
